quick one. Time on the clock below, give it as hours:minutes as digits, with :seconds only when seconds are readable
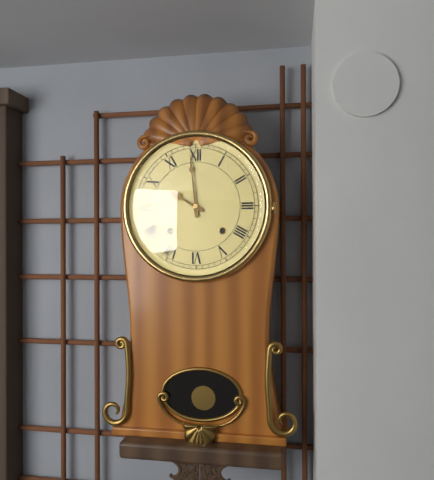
9:59
